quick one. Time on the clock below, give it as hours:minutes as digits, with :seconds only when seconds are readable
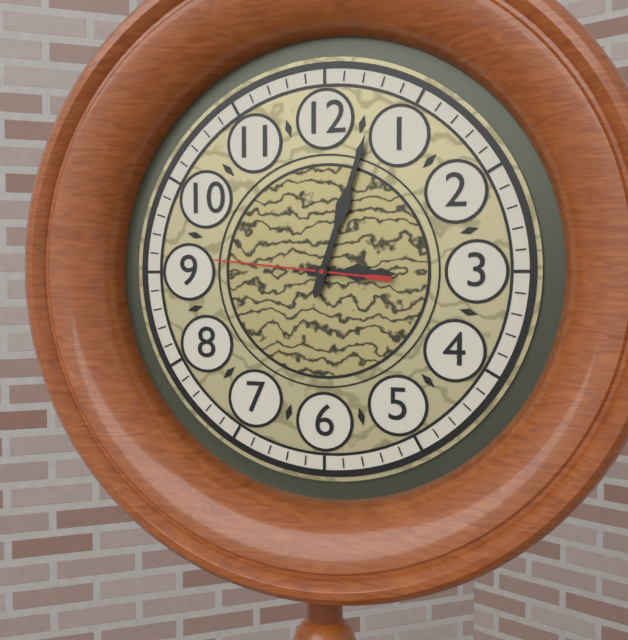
3:03:46
